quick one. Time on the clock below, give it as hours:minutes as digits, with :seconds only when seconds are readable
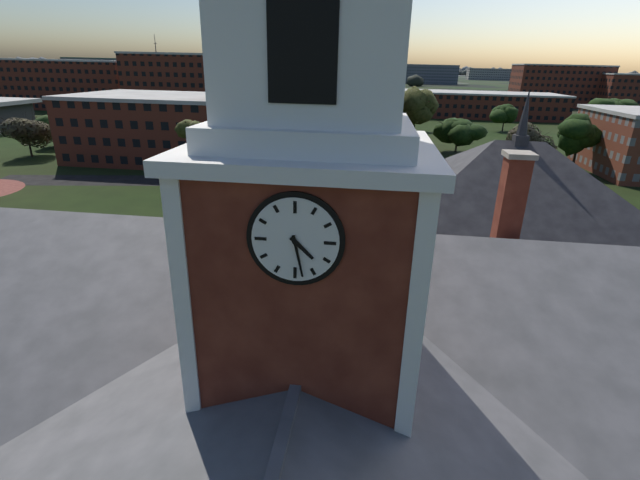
4:28
